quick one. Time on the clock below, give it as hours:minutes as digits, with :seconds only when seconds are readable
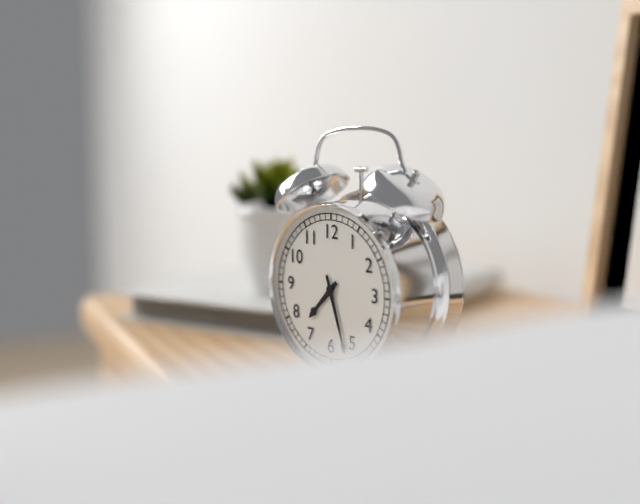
7:27
